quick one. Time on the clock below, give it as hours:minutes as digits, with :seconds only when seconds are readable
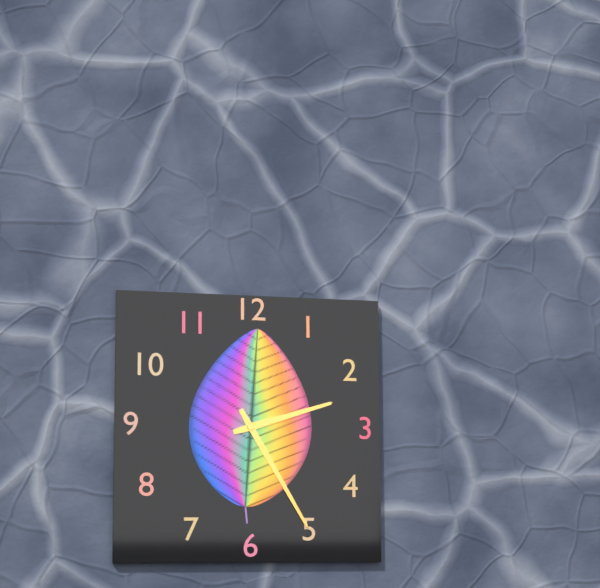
2:25
